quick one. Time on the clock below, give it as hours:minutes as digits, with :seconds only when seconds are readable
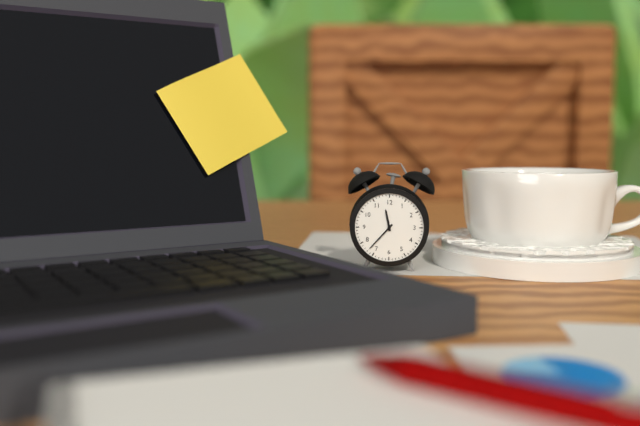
11:37
